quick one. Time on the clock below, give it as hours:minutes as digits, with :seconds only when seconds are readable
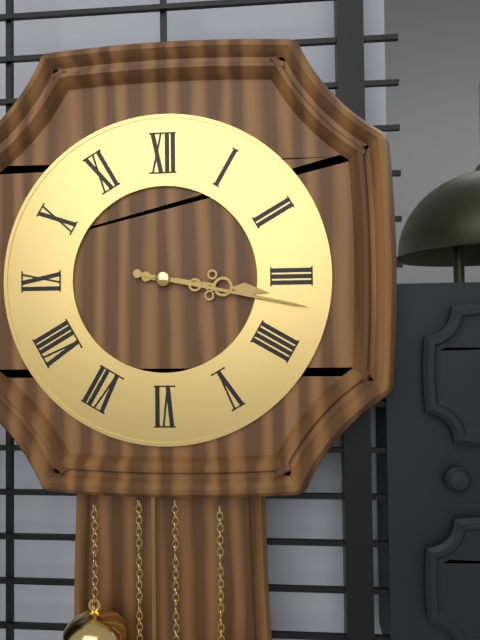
3:17
